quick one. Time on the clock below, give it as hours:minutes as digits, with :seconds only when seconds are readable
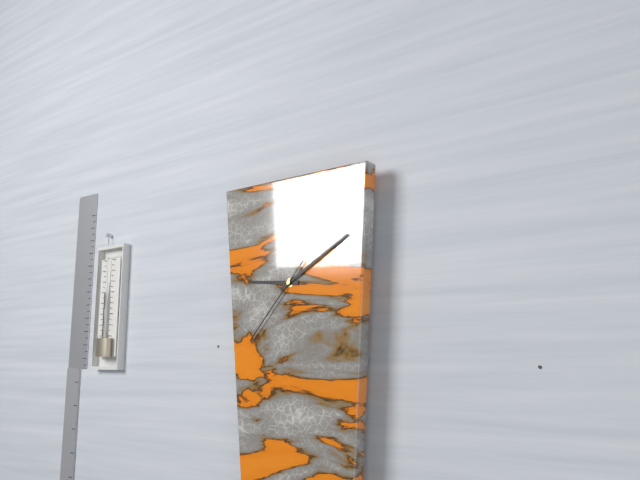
9:10:37
